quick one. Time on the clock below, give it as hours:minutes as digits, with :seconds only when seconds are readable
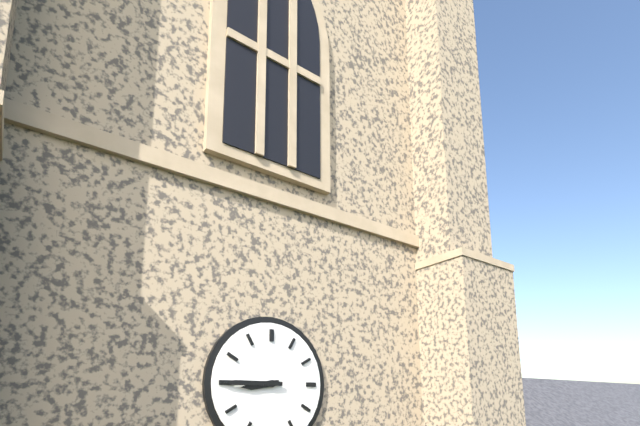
8:45
